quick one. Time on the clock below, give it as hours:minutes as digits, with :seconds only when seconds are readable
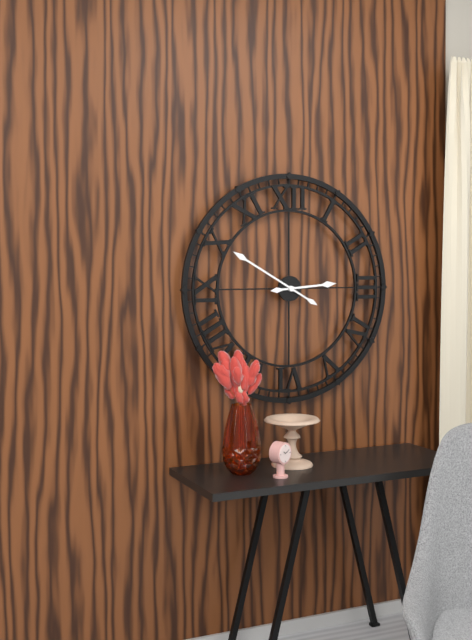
2:50
